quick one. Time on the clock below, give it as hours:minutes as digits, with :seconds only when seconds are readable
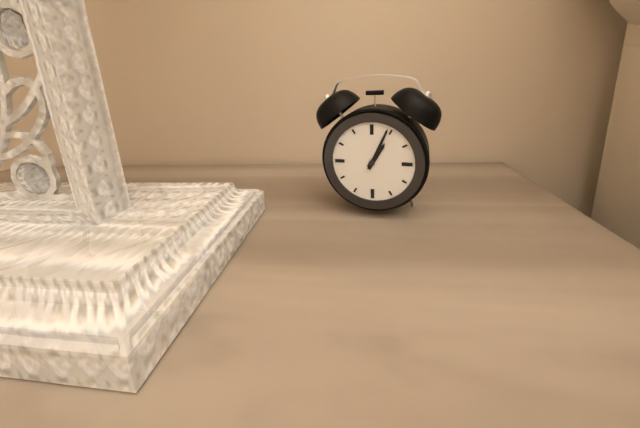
1:04
